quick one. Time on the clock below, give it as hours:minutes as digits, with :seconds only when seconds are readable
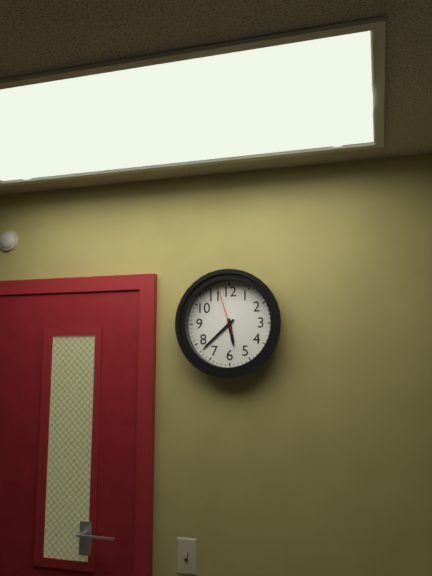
5:38
